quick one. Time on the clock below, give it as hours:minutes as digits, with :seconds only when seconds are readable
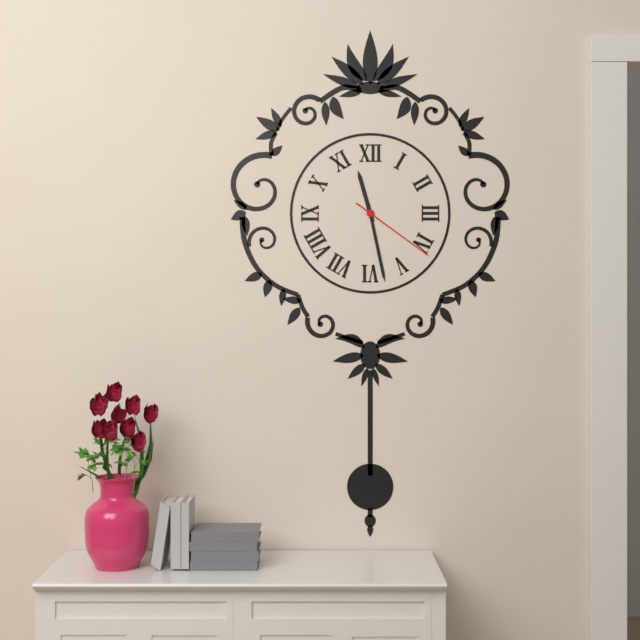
11:28:21
